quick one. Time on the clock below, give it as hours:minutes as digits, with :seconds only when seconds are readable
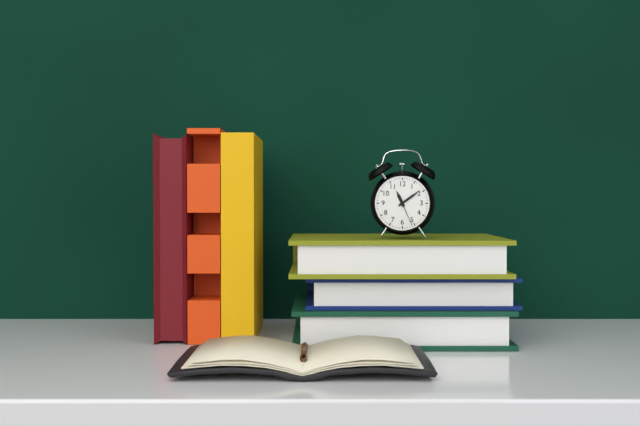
11:09
